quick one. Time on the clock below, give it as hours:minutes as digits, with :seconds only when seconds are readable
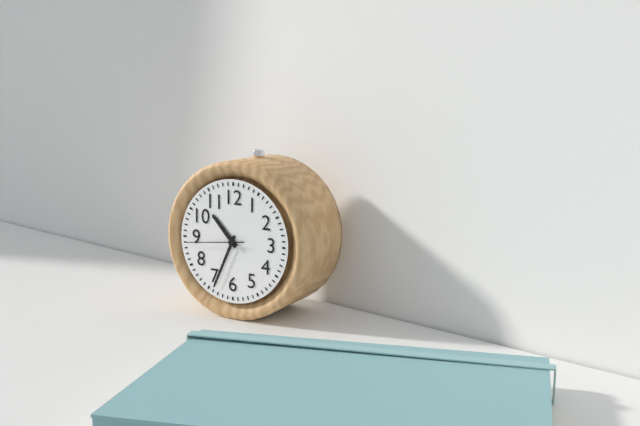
10:34:44
